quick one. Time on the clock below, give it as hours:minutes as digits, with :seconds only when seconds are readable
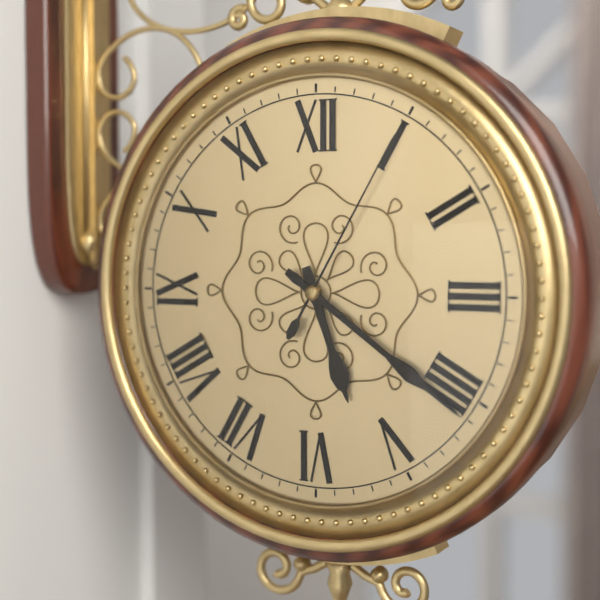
5:21:05
